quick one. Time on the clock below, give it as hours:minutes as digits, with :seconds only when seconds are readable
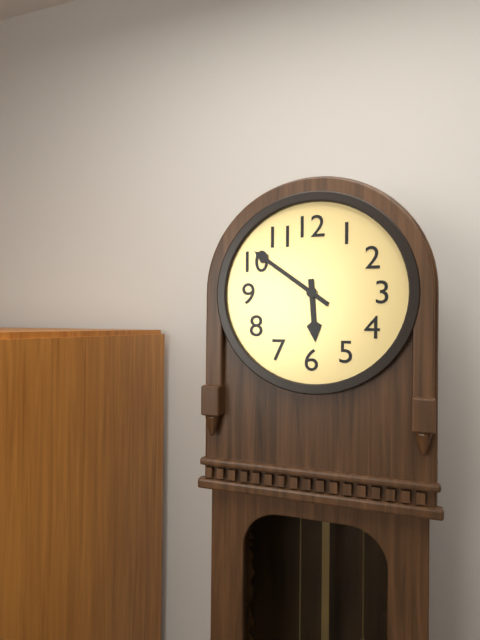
5:51
